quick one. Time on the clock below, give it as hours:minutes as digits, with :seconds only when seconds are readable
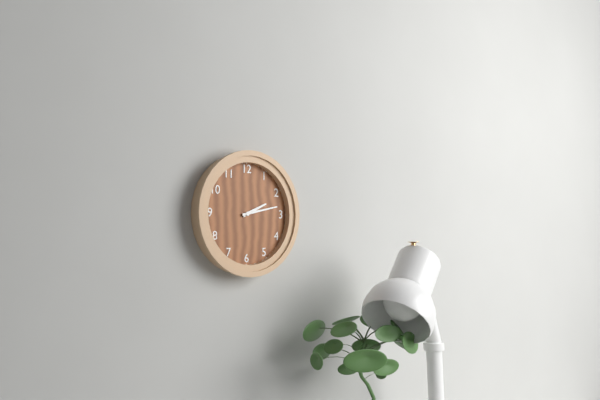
2:13
